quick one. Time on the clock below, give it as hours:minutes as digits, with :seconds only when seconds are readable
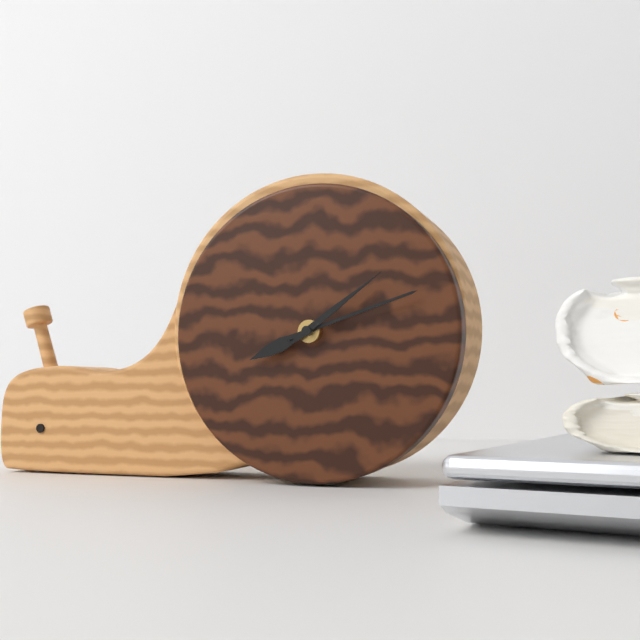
8:12:09
